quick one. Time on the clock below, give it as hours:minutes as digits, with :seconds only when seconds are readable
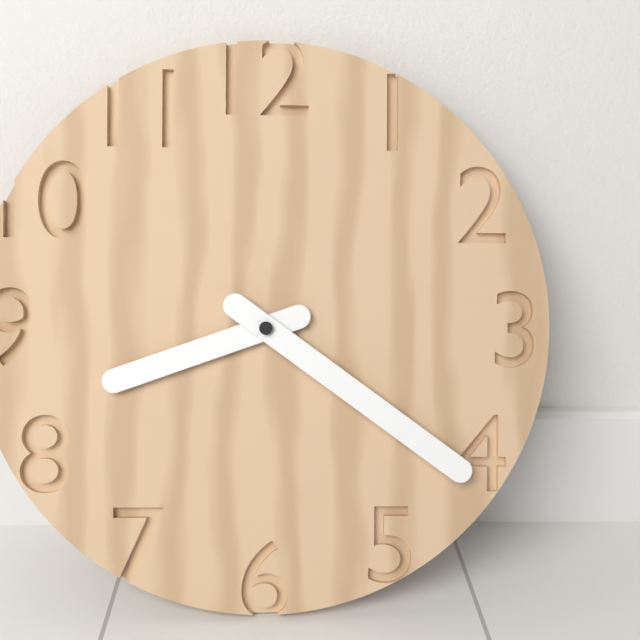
8:21
